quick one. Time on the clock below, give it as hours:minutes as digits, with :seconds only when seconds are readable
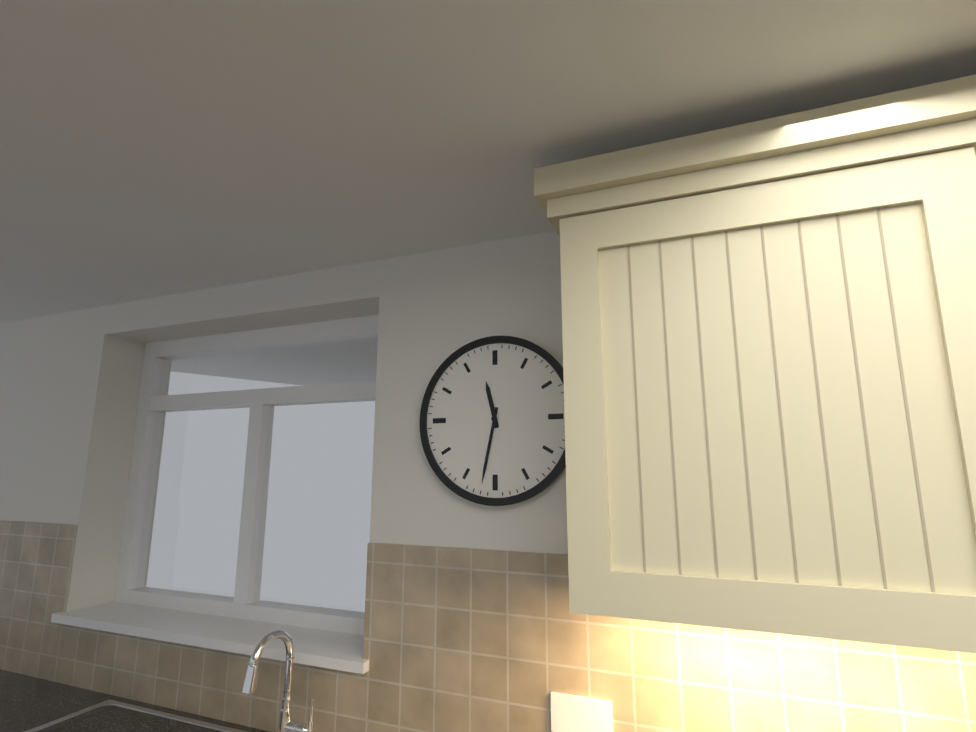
11:32
